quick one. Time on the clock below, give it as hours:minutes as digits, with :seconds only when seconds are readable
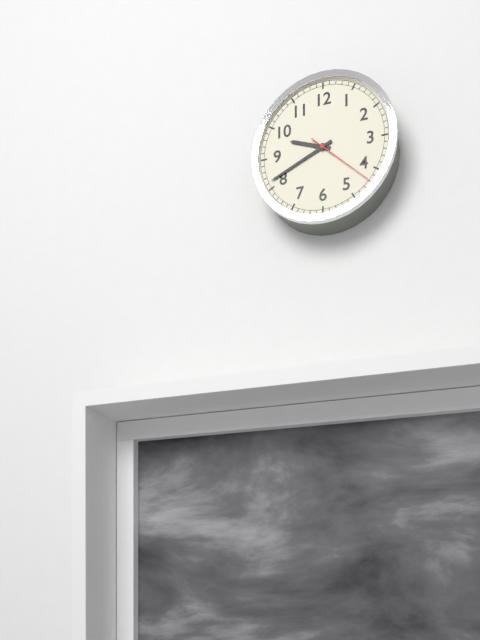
9:41:22
